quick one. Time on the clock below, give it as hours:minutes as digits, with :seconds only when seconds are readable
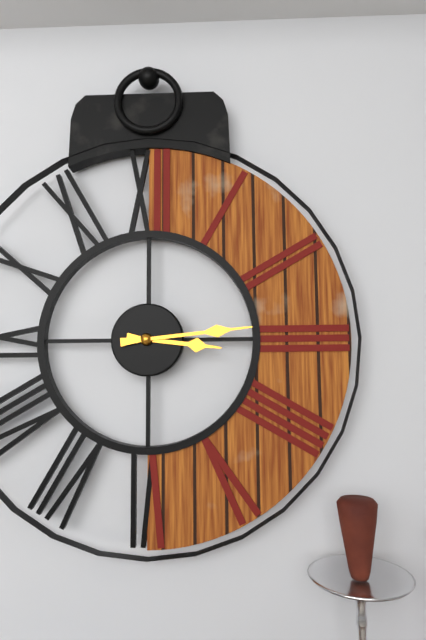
3:14
